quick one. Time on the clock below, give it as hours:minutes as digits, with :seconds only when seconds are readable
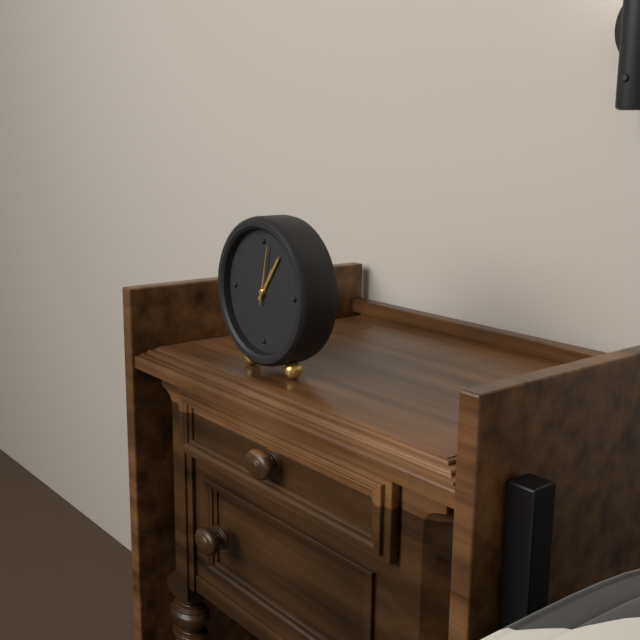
1:06:02
